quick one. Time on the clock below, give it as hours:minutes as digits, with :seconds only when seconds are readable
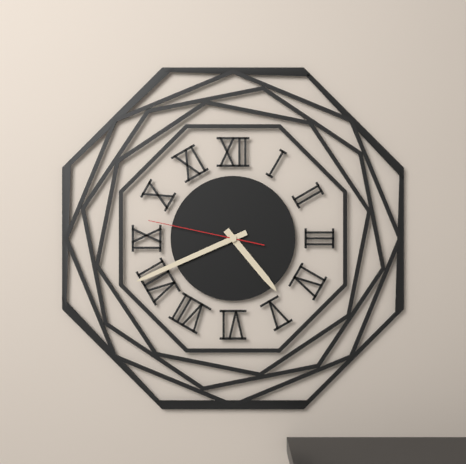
4:41:47
